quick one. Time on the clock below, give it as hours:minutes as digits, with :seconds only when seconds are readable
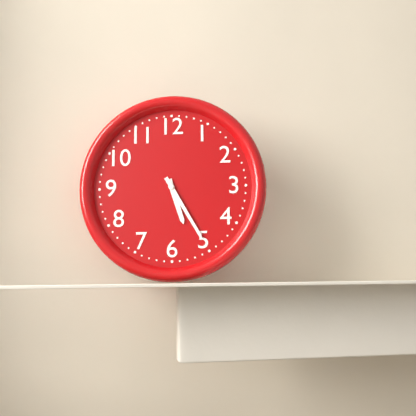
5:25
